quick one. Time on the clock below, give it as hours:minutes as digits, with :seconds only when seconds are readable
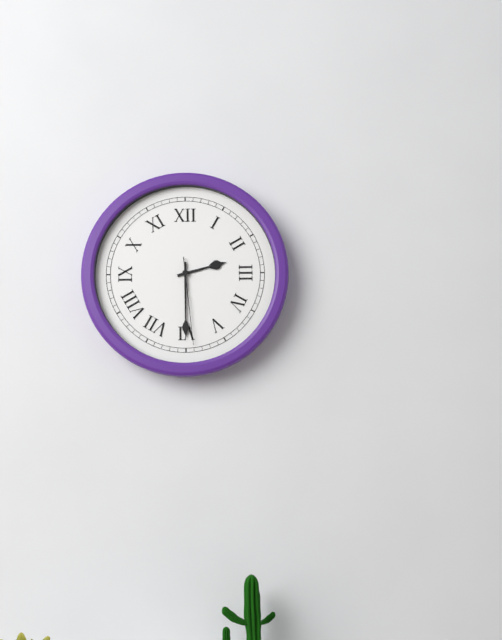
2:30:29
